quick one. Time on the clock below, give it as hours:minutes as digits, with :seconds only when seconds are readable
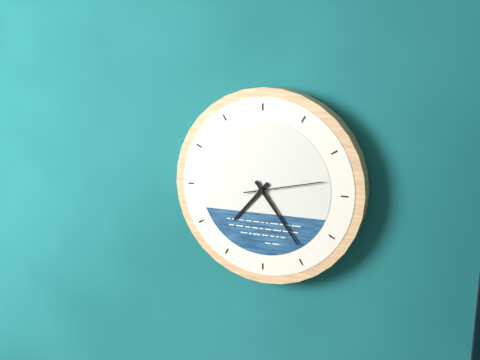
7:24:13
